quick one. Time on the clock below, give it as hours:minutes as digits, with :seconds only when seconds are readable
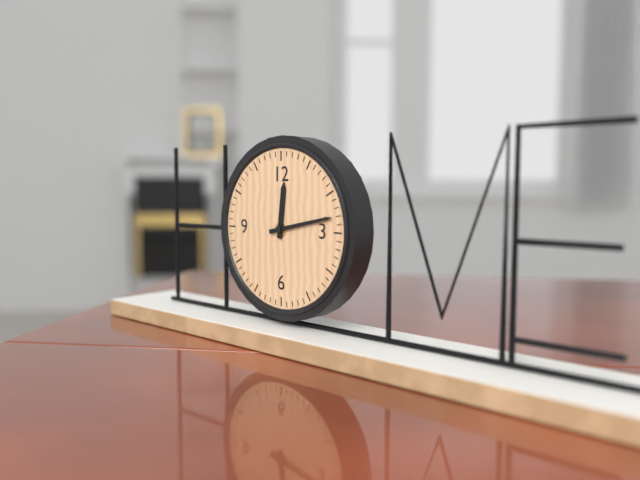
12:13
